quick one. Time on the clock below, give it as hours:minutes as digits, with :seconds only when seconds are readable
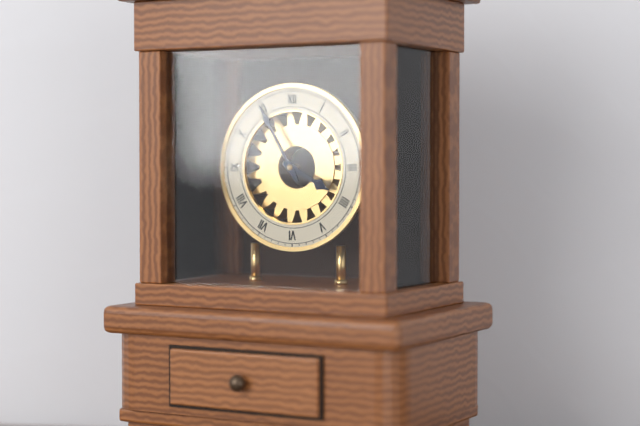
3:55
